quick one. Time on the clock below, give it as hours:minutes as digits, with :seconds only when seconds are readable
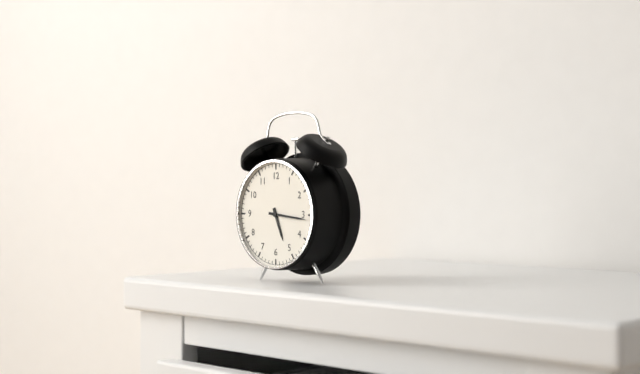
5:16
